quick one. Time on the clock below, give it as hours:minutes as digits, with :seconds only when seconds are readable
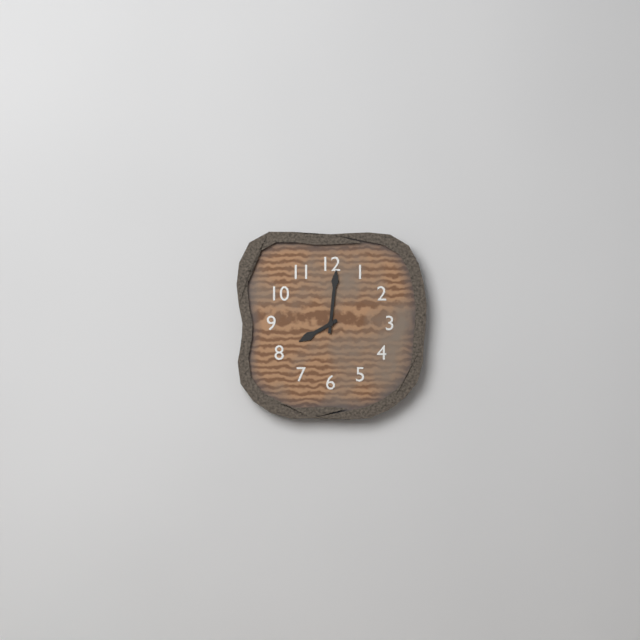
8:01
